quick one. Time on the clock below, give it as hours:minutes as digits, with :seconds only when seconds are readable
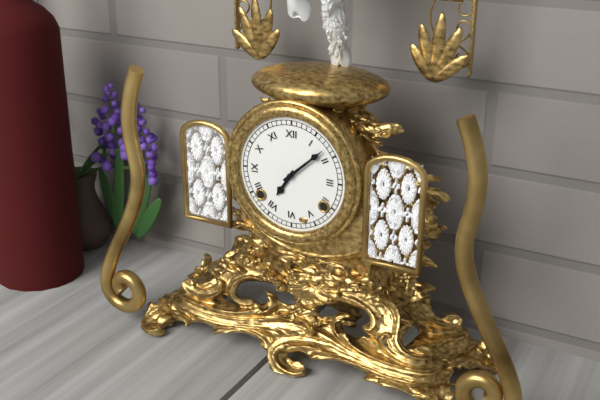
7:08
